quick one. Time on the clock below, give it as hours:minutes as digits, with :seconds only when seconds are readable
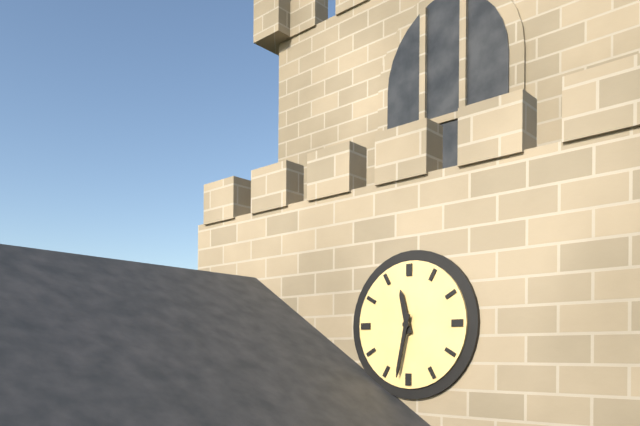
11:32
